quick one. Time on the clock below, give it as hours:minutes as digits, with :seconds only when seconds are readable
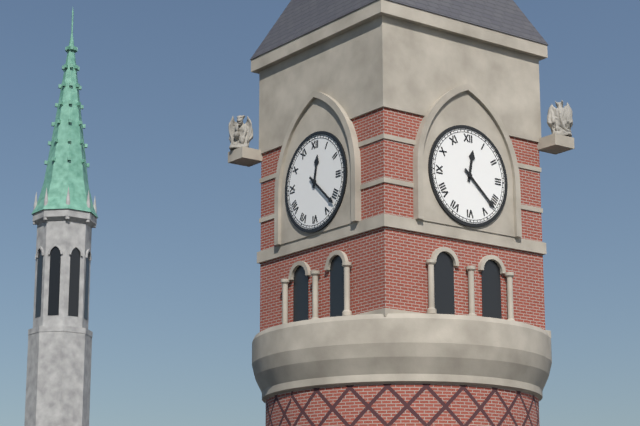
12:22
